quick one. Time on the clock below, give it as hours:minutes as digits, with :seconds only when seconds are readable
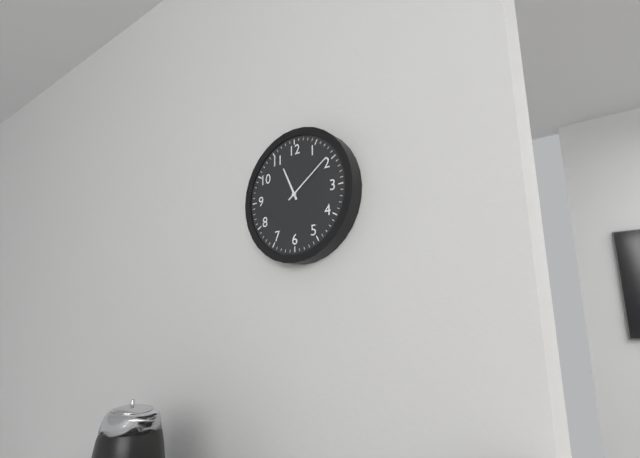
11:09
